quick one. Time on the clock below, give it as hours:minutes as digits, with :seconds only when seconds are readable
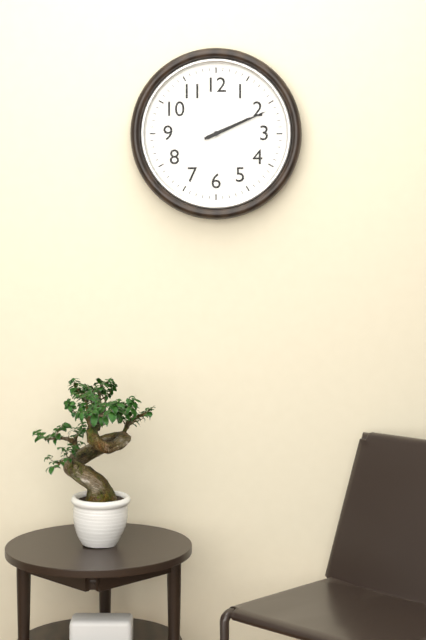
2:11
